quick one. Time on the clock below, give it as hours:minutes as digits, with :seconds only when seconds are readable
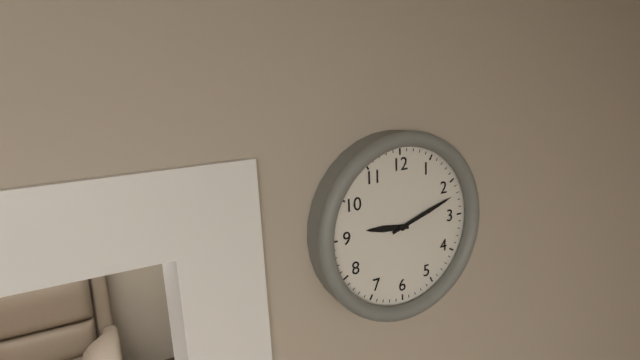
9:12
